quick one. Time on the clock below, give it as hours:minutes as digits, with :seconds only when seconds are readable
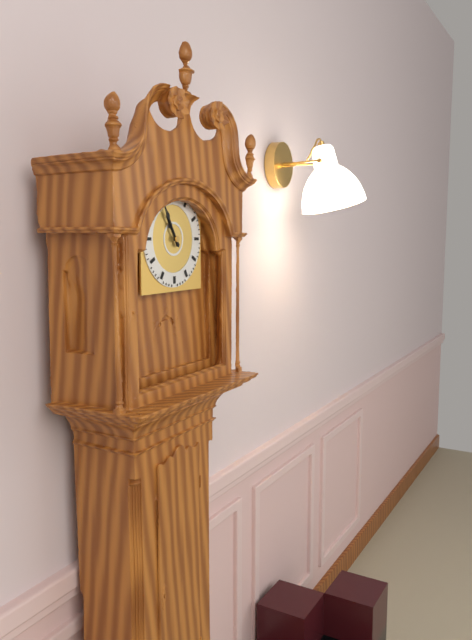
10:55
